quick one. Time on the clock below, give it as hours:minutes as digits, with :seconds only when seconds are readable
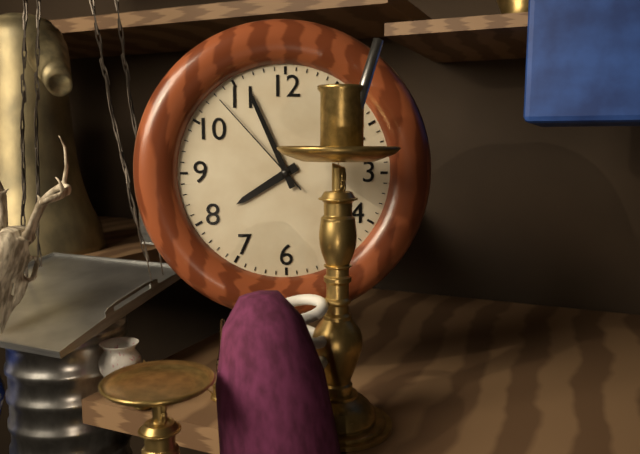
7:56:53
